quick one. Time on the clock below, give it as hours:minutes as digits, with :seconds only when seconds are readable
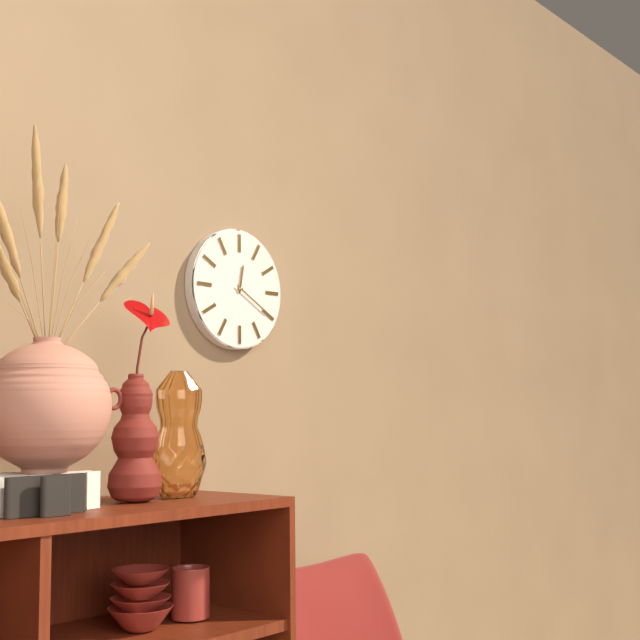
12:20
